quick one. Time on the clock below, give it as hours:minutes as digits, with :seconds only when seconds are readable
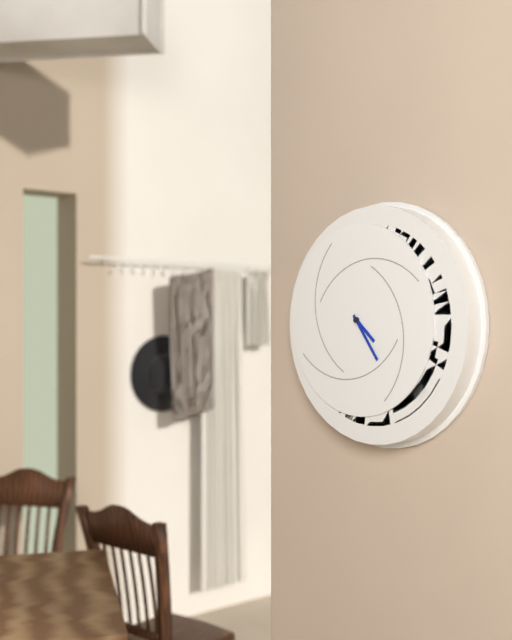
4:24
